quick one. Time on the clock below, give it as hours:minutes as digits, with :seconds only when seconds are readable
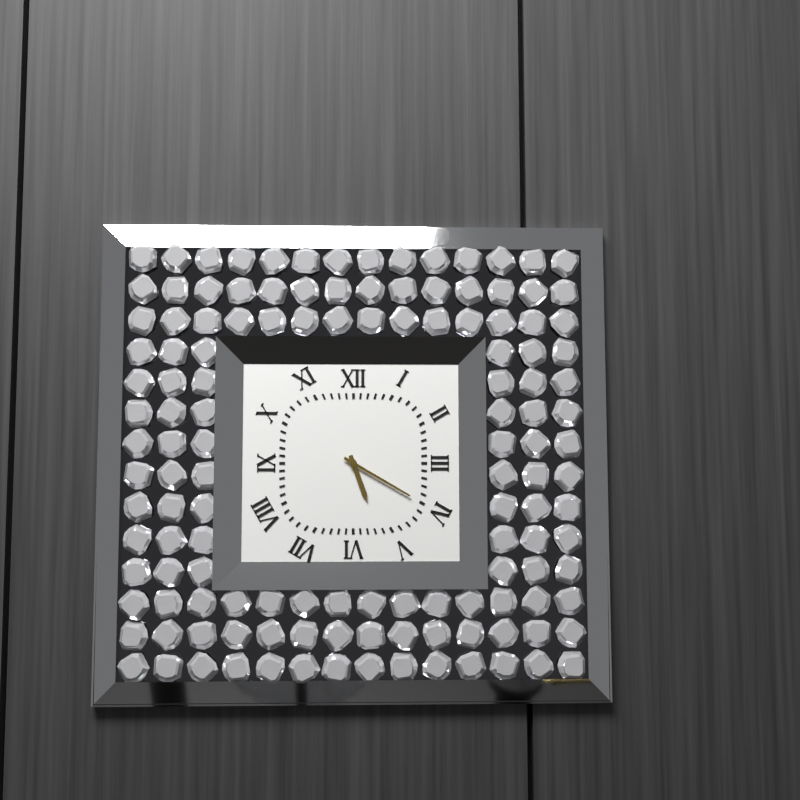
5:20
